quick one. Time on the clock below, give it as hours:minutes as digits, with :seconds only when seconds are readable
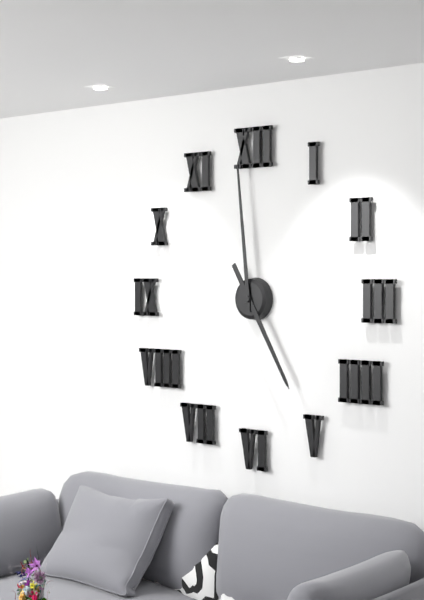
4:59
